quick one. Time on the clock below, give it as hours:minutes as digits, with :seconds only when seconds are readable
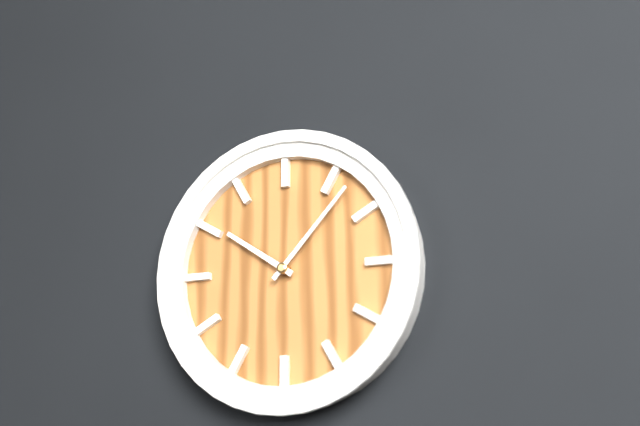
10:07
